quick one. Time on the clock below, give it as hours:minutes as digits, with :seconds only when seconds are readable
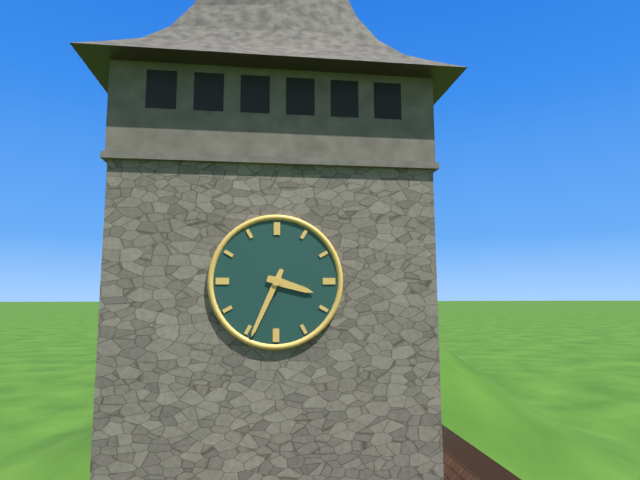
3:34
